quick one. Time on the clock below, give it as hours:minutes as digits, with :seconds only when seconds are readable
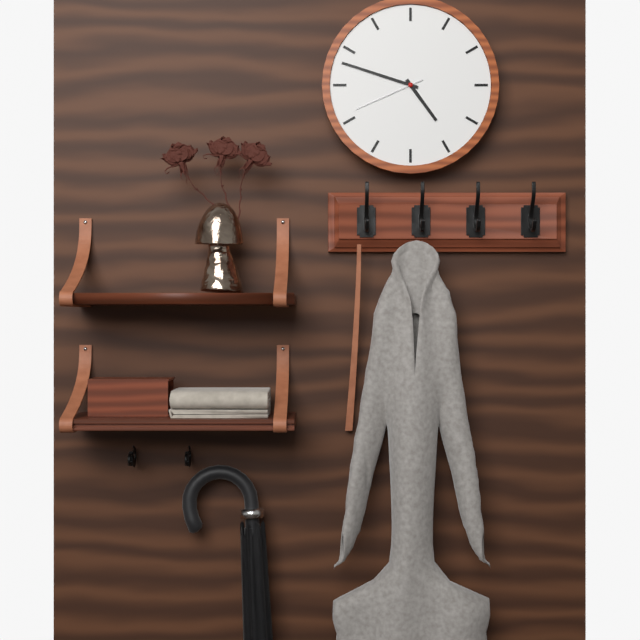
4:48:41
